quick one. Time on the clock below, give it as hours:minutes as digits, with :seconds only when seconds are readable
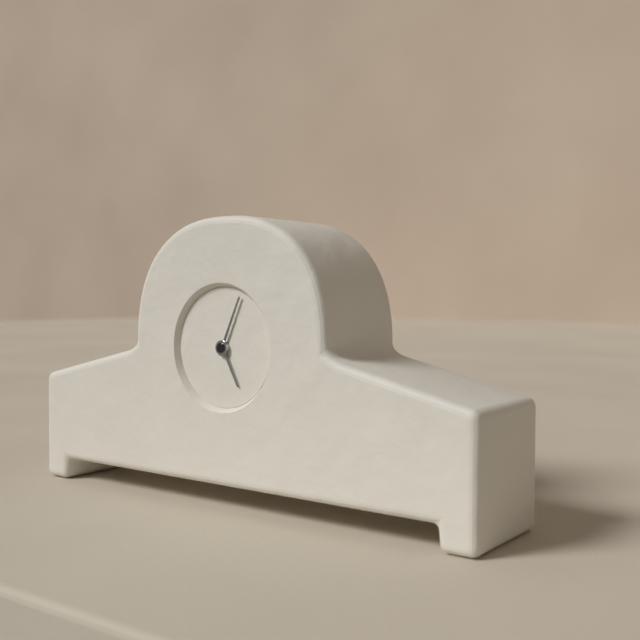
5:04
